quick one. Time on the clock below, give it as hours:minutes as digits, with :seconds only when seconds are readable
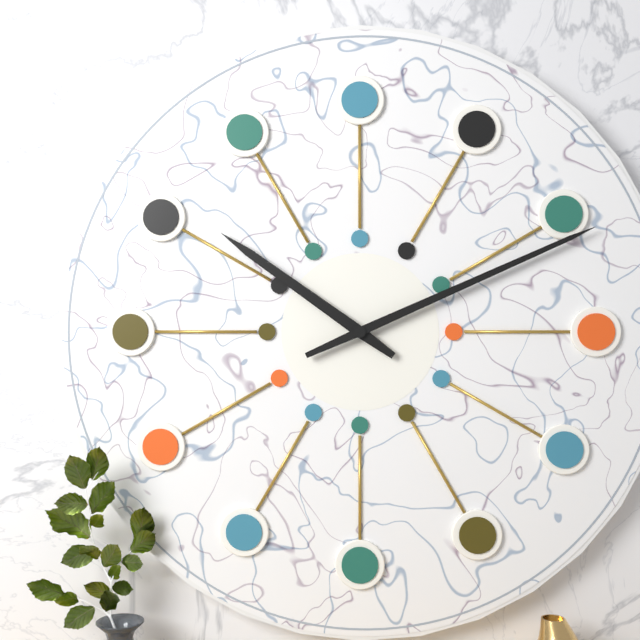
10:11
